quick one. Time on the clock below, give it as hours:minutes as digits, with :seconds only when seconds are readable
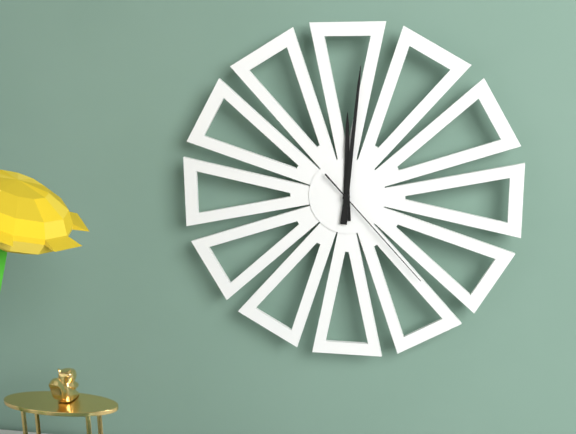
12:01:23
